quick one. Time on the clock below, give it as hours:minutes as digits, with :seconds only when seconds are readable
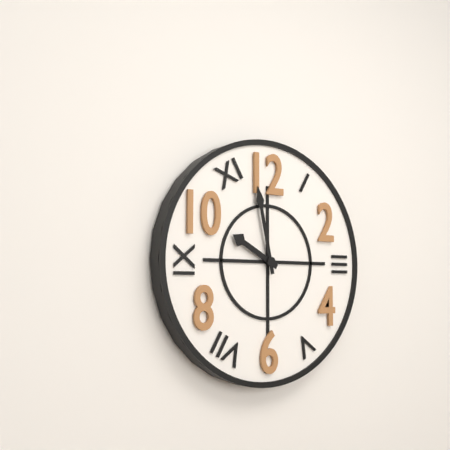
9:58
